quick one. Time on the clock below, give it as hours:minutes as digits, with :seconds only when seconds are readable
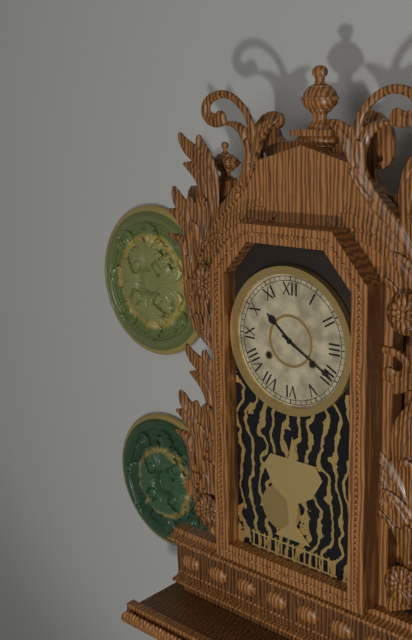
10:20
